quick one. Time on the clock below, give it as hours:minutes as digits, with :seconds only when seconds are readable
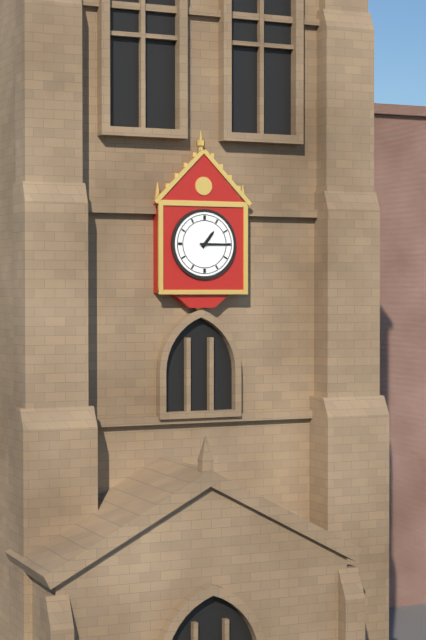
1:15
